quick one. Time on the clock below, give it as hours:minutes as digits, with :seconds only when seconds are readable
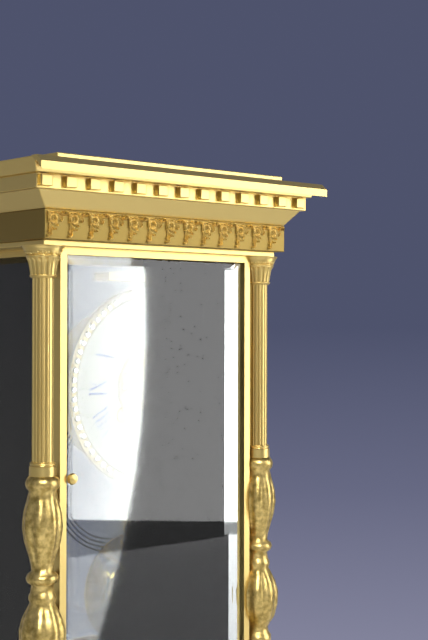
5:05
